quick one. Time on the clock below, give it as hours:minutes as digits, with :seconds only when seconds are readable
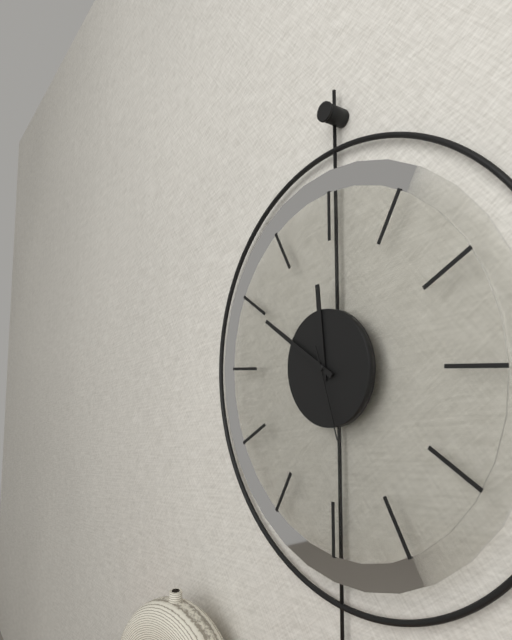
11:50:27
